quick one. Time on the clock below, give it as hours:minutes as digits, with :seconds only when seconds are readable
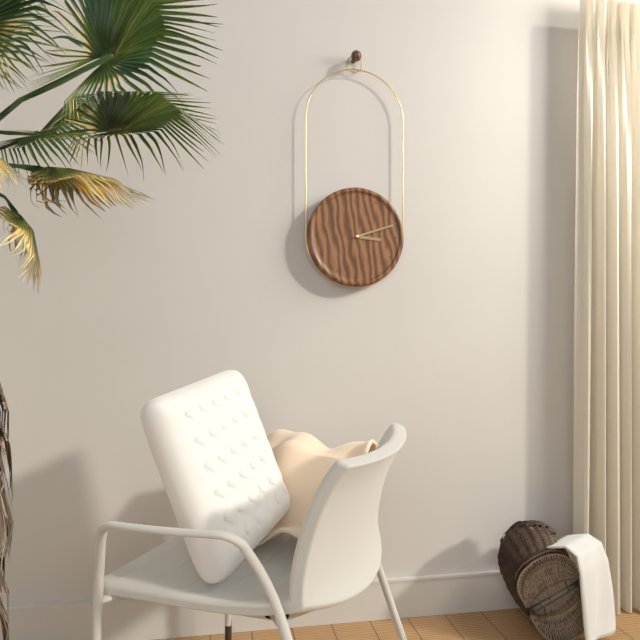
3:12
